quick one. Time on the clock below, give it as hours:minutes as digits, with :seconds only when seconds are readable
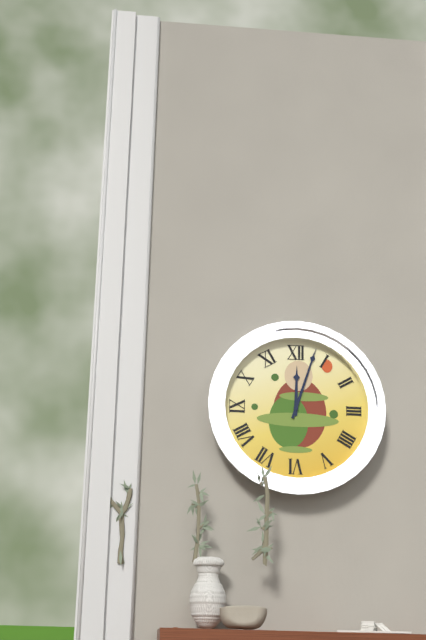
12:03
